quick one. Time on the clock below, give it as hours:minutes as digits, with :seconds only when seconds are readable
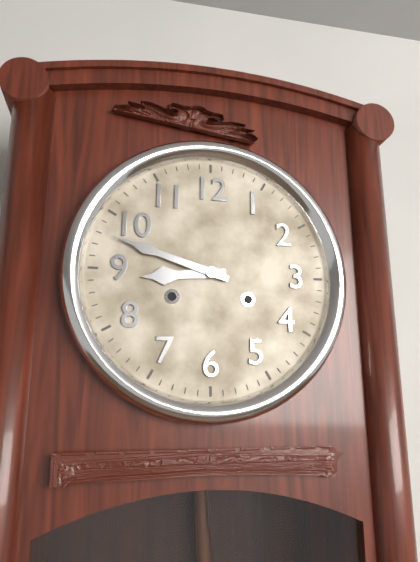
8:48
